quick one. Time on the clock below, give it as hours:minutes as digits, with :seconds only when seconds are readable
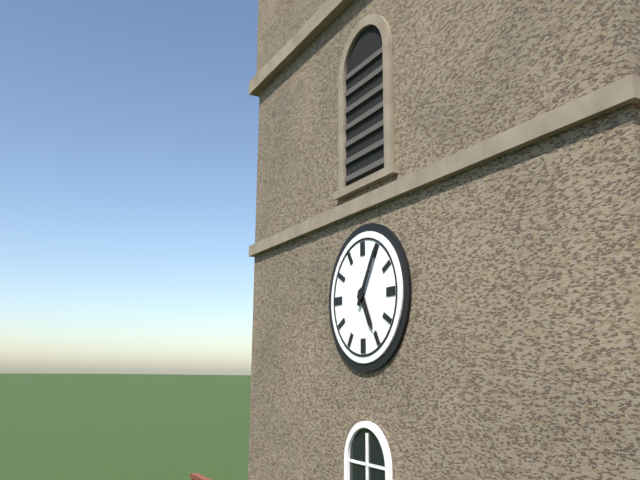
5:05
